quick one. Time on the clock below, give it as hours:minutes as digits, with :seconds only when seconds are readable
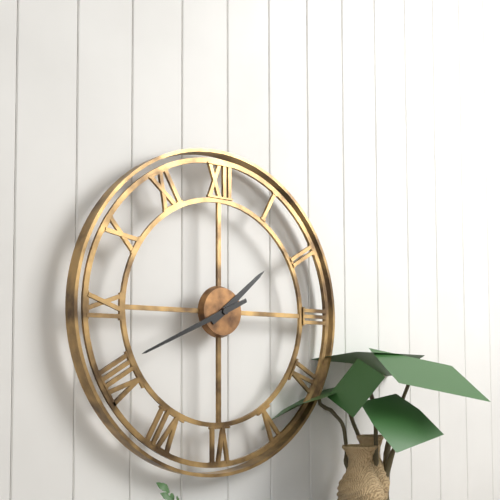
1:41
